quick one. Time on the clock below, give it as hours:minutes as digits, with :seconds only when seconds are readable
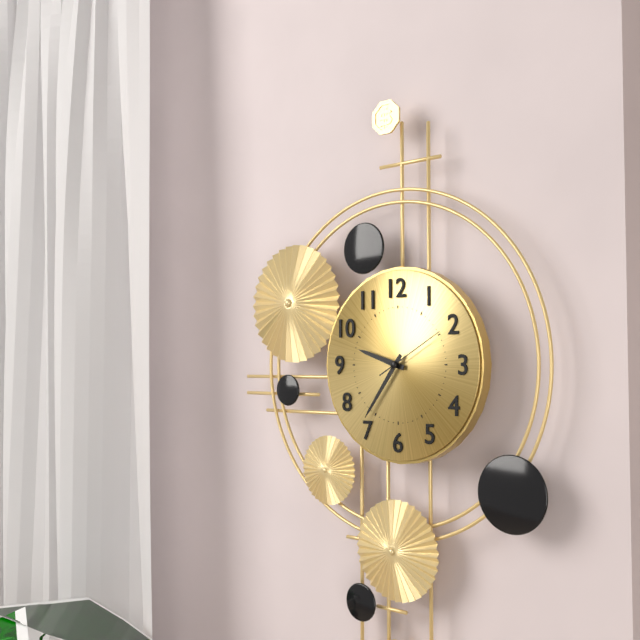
9:36:10
